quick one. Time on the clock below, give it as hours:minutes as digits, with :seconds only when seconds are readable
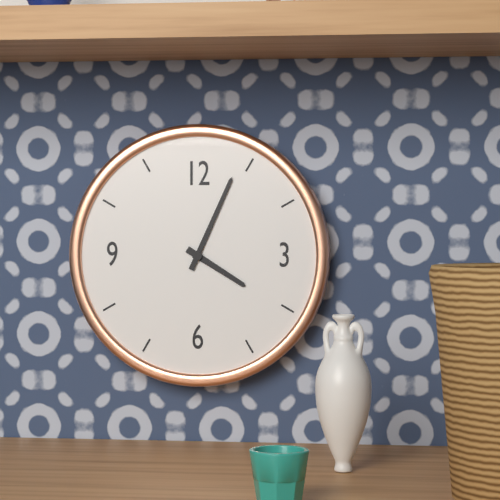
4:04
